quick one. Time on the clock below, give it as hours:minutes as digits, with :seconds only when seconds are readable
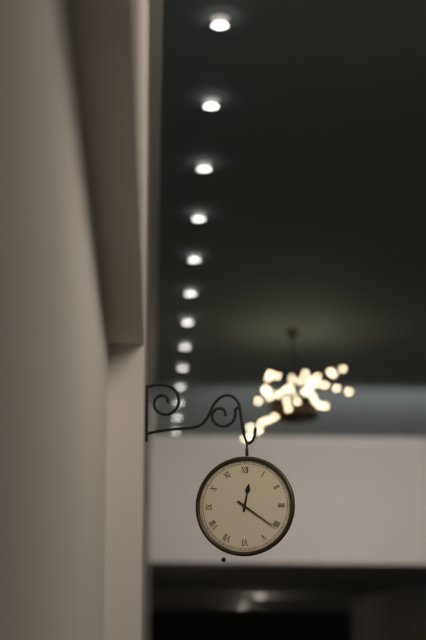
12:21
